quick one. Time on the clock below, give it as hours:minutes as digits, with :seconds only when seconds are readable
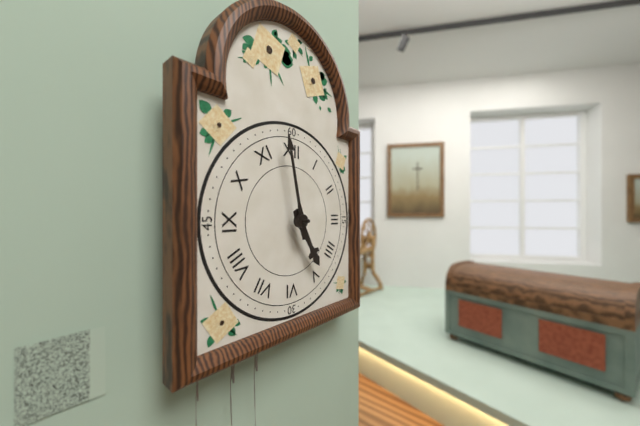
4:58
